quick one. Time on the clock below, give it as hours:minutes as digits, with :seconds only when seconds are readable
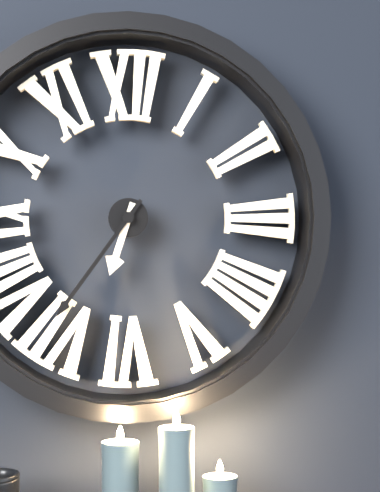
6:36
